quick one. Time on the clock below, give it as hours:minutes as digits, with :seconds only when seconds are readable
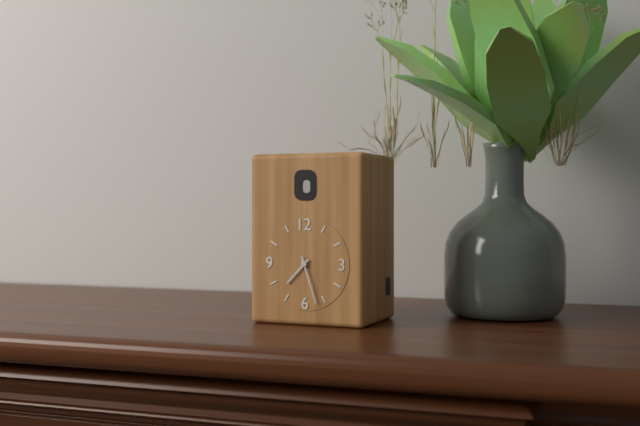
7:27
